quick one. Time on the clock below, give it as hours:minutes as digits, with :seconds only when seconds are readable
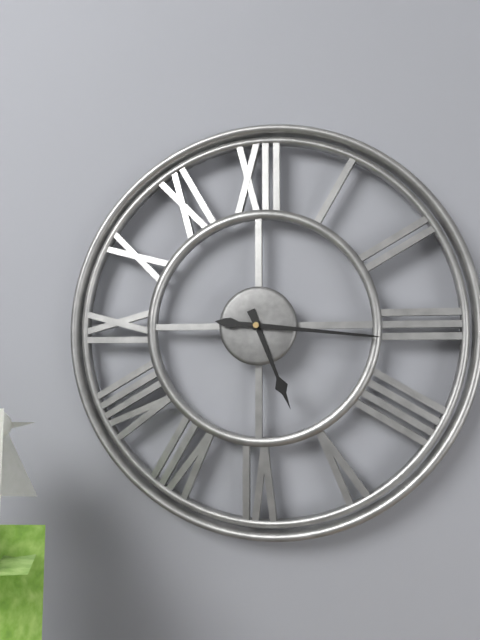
5:16
